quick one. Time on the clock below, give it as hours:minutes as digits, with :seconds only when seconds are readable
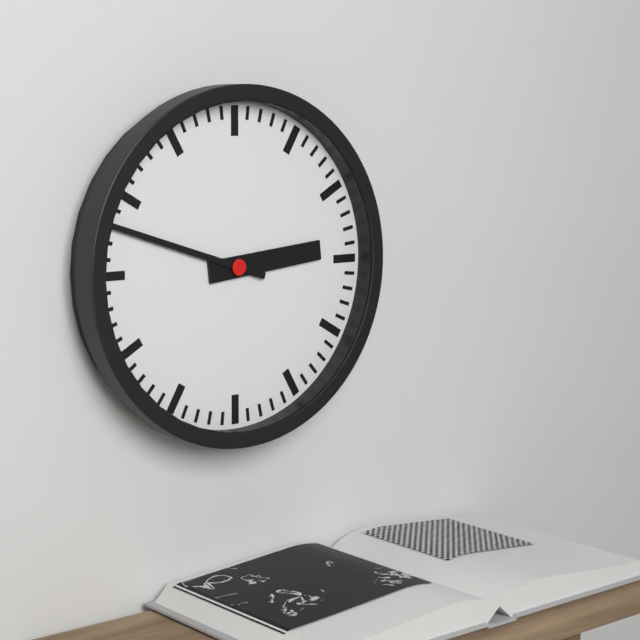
2:48
